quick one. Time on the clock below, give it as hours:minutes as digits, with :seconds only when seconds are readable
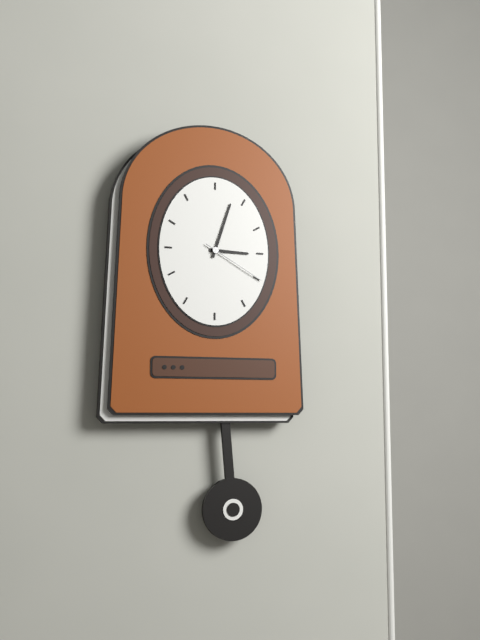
3:03:20
